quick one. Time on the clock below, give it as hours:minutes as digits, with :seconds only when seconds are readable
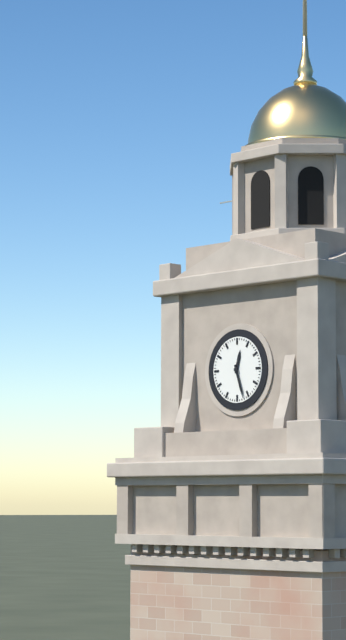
12:27
